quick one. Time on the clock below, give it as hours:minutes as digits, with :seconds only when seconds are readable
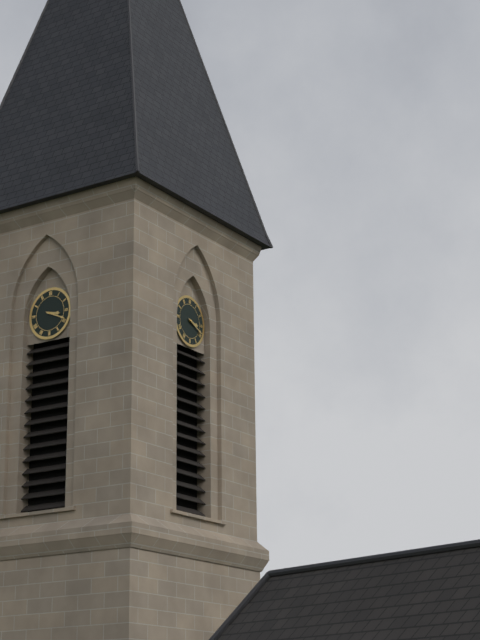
3:19
